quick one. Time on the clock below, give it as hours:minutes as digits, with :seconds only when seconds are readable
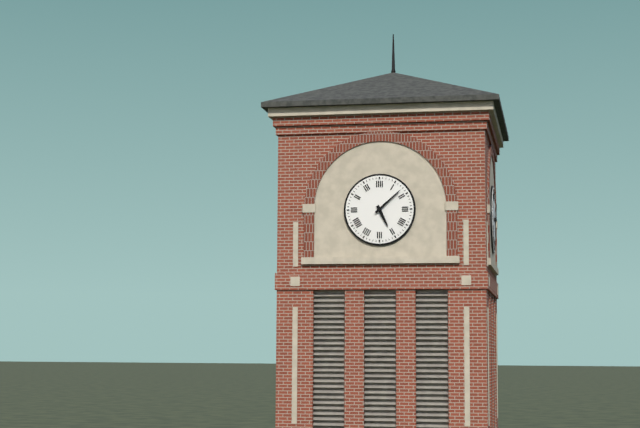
5:08
